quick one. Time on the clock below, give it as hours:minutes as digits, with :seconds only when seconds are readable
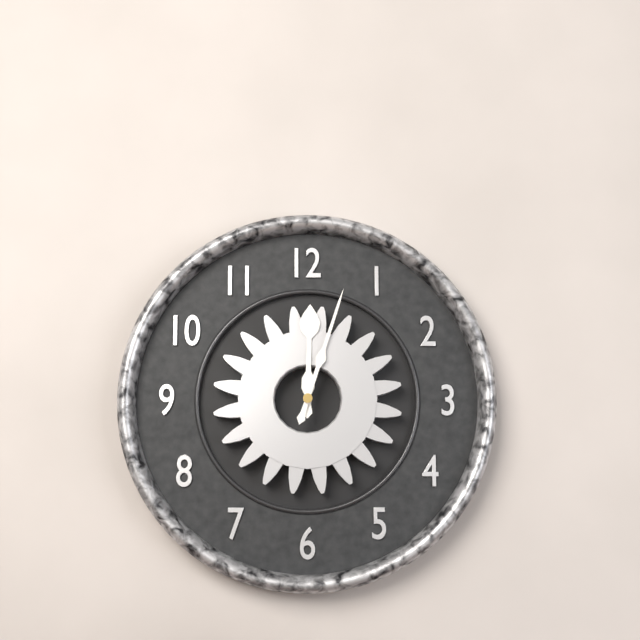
12:03
